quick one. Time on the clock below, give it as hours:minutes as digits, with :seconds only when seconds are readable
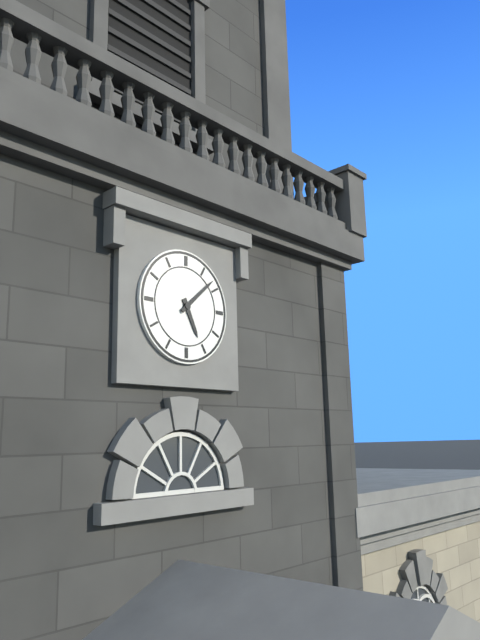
5:08
